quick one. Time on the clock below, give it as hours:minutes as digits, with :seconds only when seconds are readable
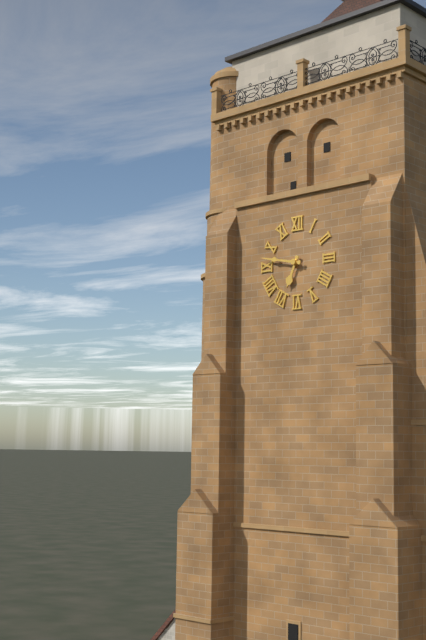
6:47
